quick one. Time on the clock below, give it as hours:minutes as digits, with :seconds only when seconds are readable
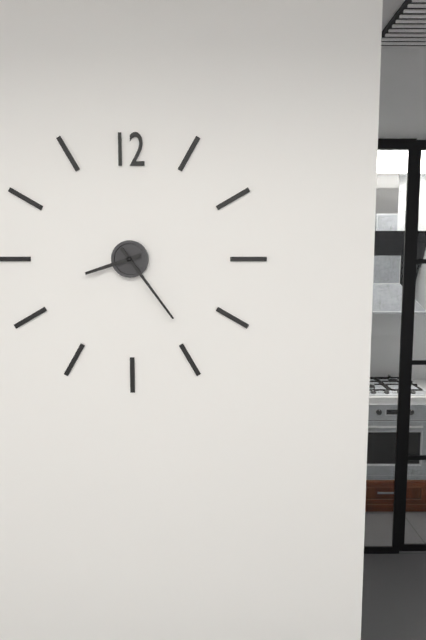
8:24
